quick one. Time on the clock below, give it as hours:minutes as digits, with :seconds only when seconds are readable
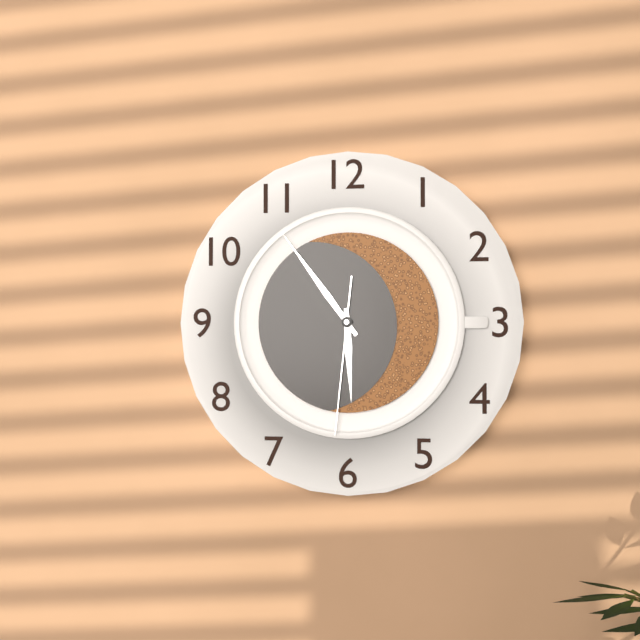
5:54:31
